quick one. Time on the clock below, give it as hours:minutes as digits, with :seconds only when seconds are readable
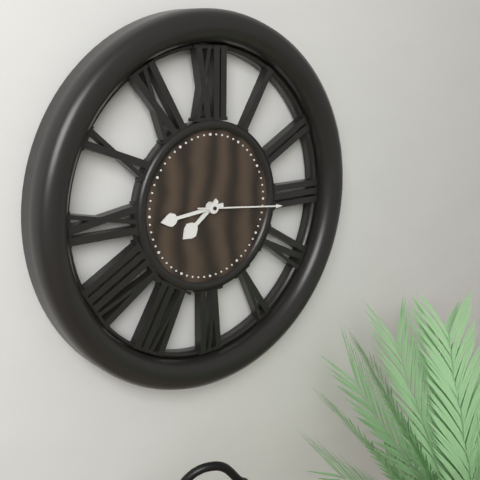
7:44:16
